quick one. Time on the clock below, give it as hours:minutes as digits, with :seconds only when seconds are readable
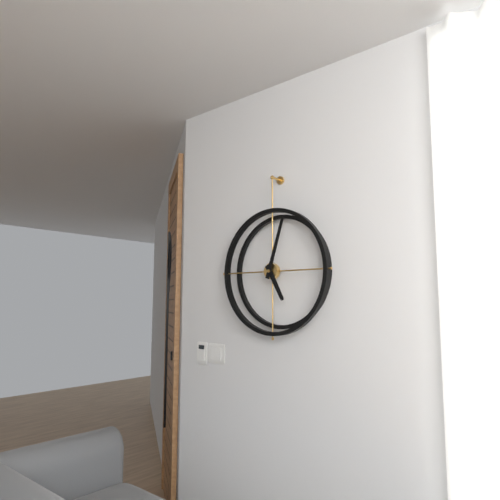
5:03
